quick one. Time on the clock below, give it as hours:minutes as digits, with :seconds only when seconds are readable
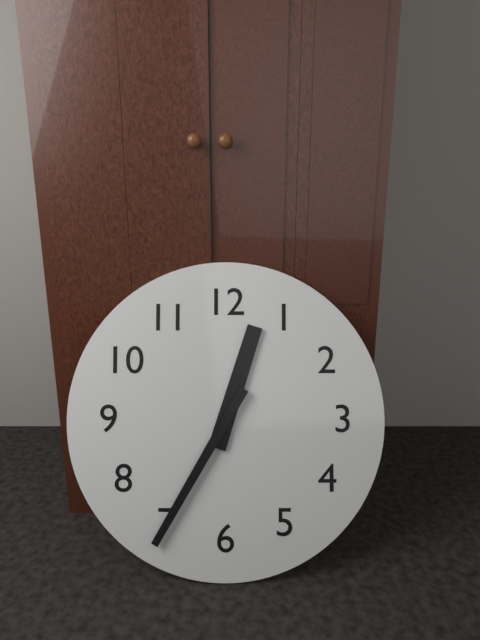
12:35
